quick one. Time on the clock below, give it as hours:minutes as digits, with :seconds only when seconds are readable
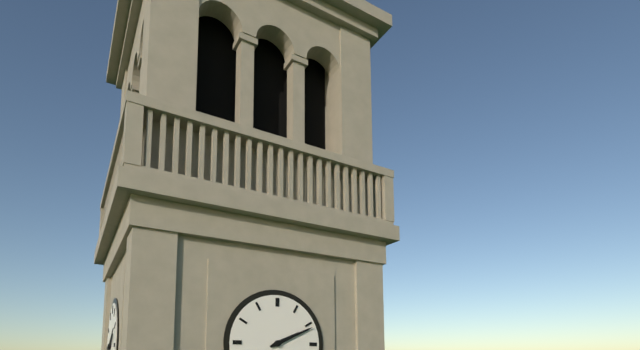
2:11
